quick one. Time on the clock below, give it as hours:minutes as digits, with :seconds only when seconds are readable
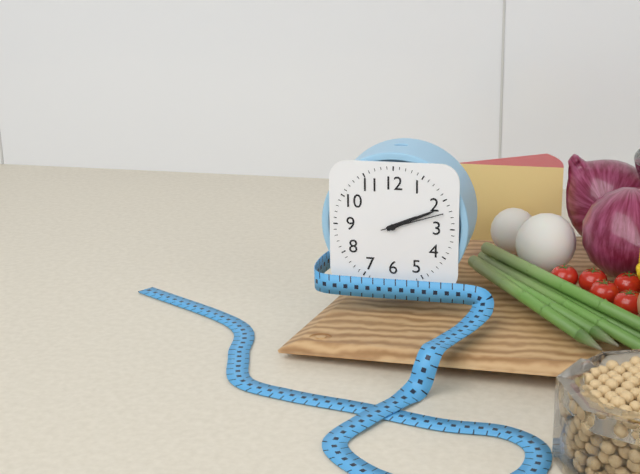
2:11:12
